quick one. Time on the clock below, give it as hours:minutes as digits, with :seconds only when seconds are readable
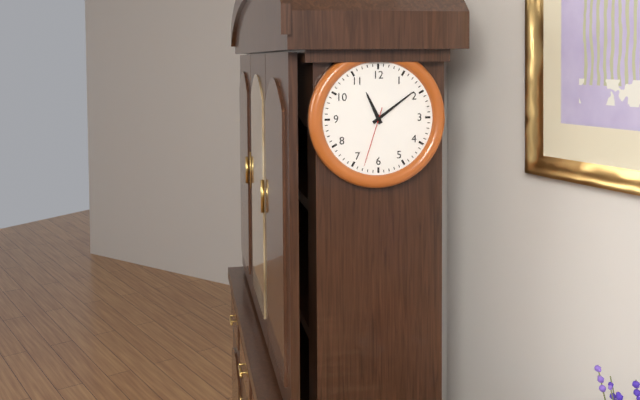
11:09:33
